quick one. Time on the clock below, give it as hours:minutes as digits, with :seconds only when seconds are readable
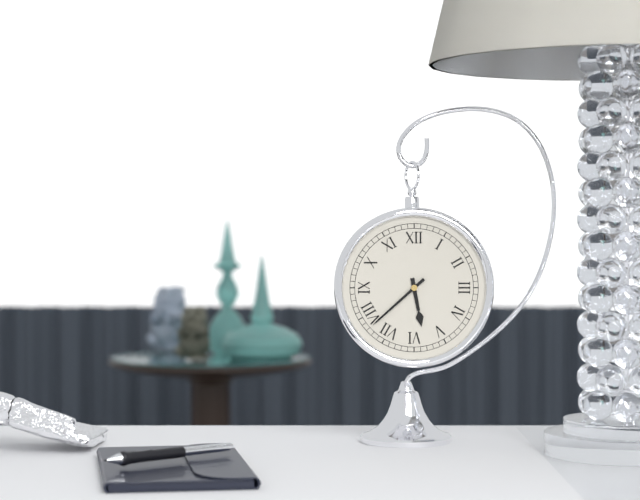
5:38
